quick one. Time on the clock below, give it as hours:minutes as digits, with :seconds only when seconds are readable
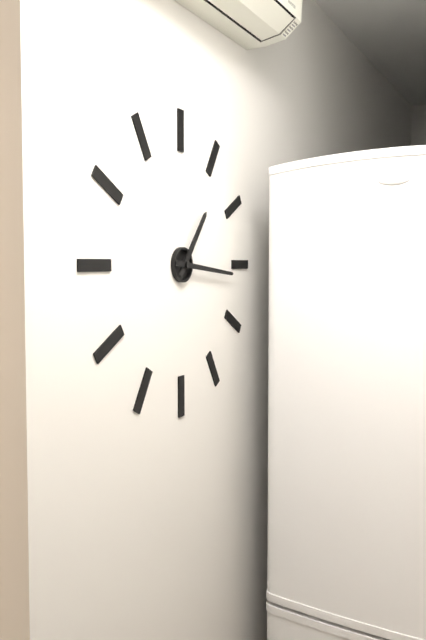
1:16
